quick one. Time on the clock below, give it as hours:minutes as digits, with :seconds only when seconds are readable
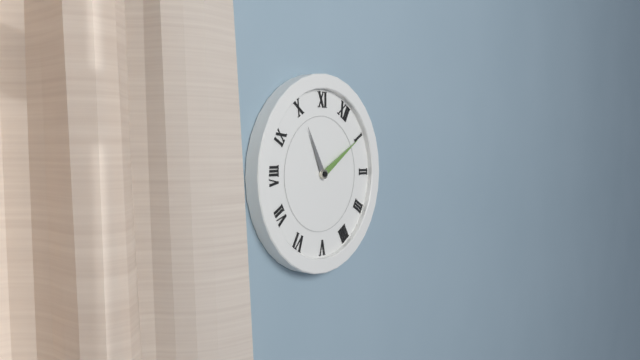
10:05
